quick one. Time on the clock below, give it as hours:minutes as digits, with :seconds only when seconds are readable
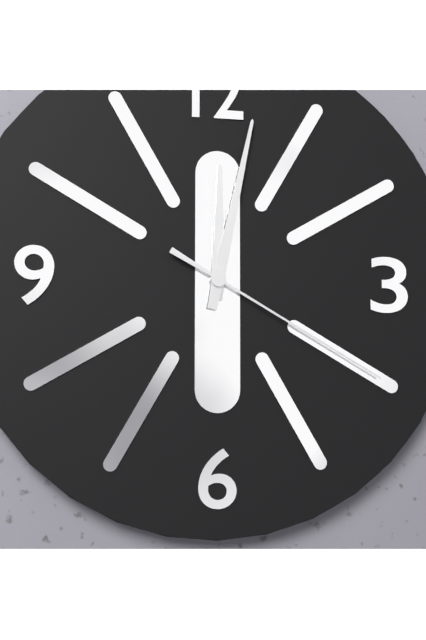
12:02:20
